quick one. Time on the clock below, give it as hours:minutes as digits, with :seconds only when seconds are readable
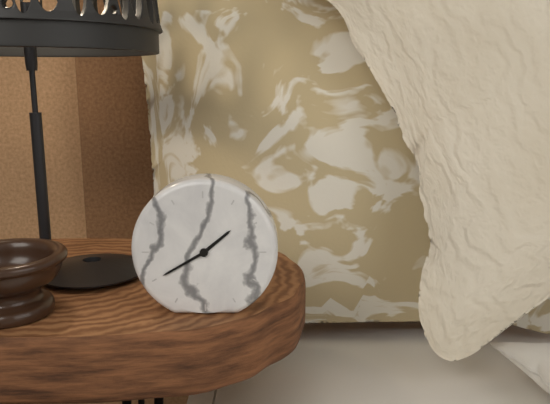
1:40
